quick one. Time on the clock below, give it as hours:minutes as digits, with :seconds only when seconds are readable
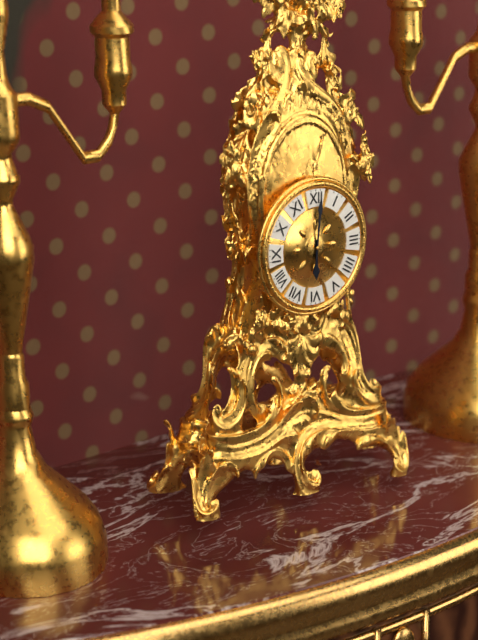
6:01
